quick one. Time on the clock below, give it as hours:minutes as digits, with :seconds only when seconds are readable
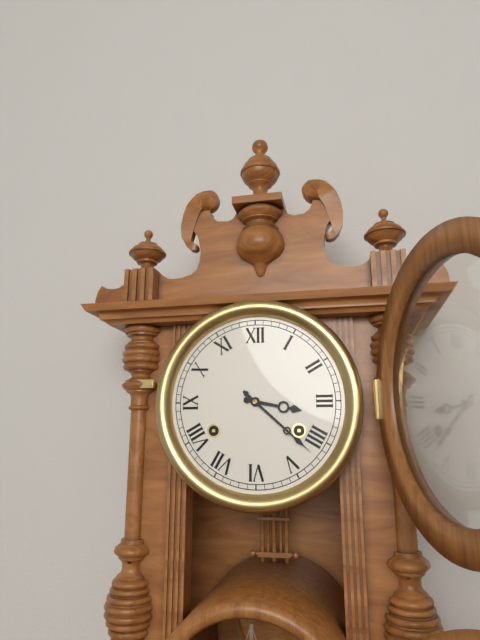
3:22
